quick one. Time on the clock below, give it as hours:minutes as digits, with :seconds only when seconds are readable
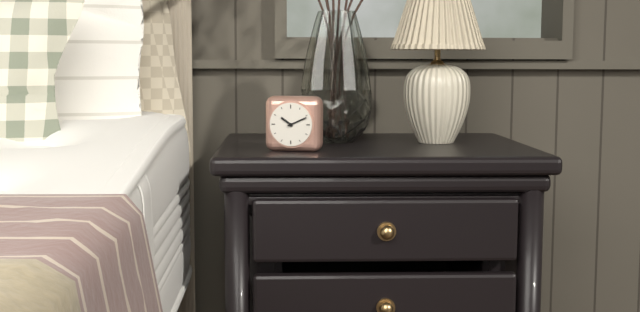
10:11
